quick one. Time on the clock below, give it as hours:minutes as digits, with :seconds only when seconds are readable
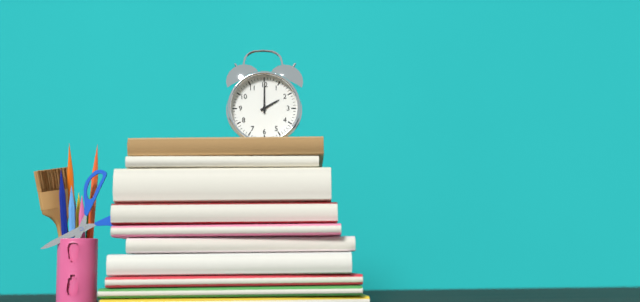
2:00
